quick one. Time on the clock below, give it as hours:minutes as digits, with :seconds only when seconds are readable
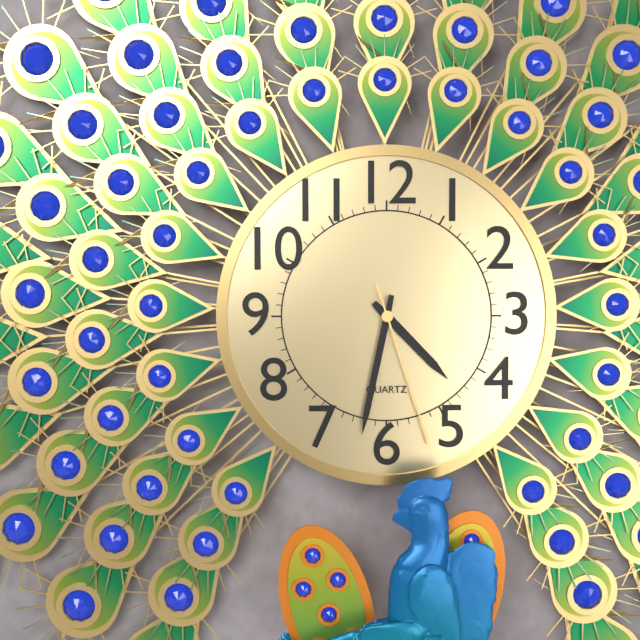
4:32:27
